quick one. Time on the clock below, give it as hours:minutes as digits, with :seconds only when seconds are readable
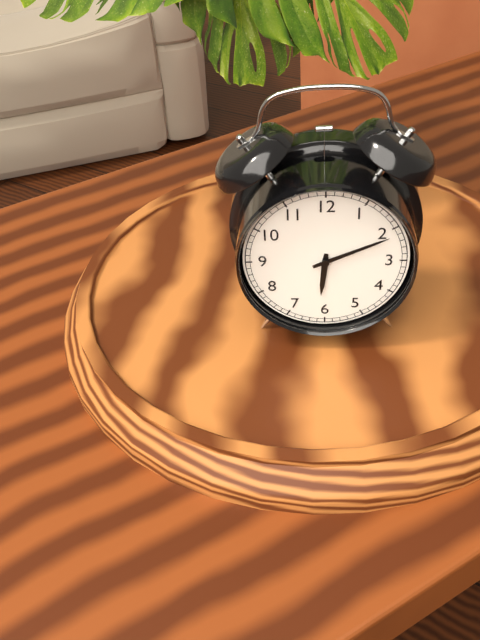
6:11
